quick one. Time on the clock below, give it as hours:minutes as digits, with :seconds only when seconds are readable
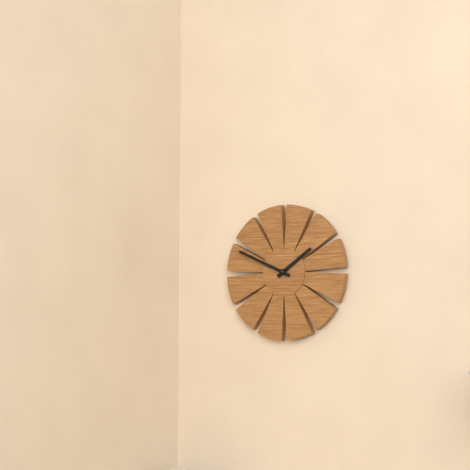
1:49
